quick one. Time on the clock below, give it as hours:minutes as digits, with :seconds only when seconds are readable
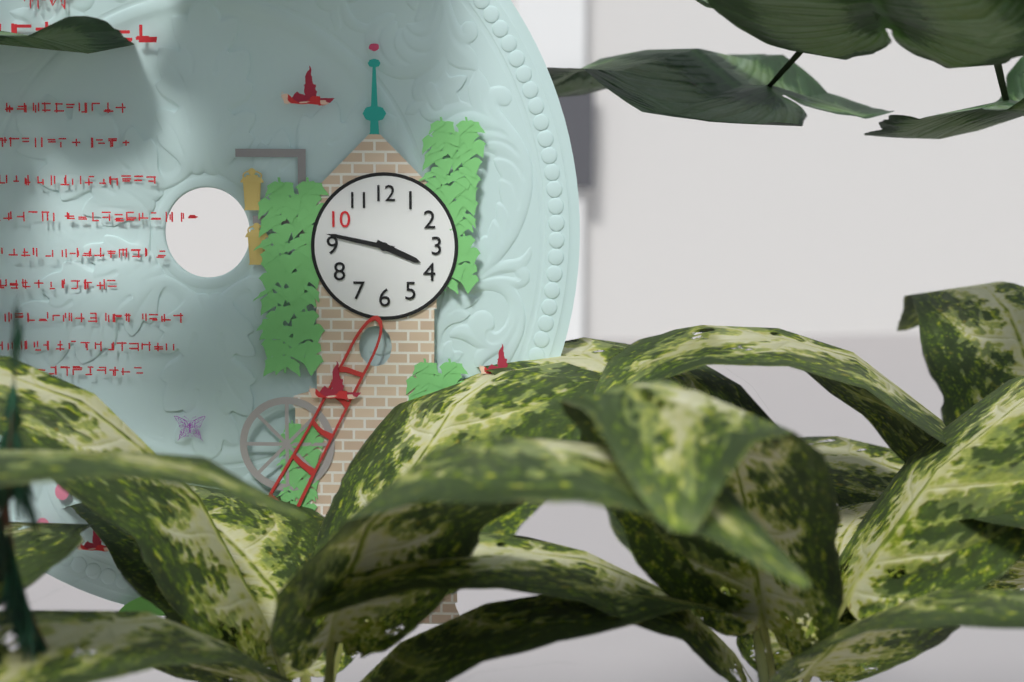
3:47
